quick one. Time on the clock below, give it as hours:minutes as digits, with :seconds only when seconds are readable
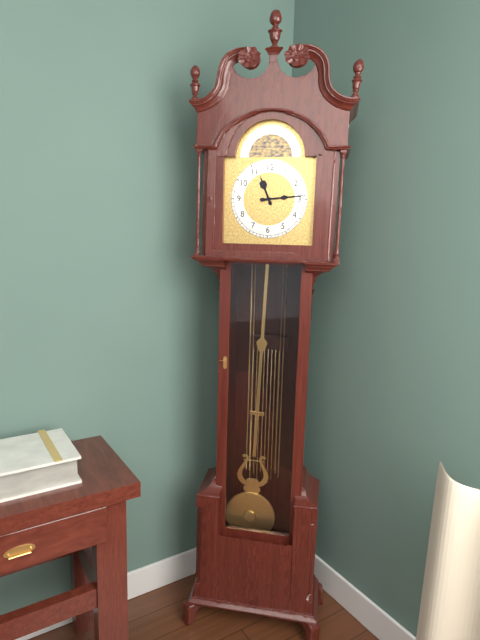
11:14
